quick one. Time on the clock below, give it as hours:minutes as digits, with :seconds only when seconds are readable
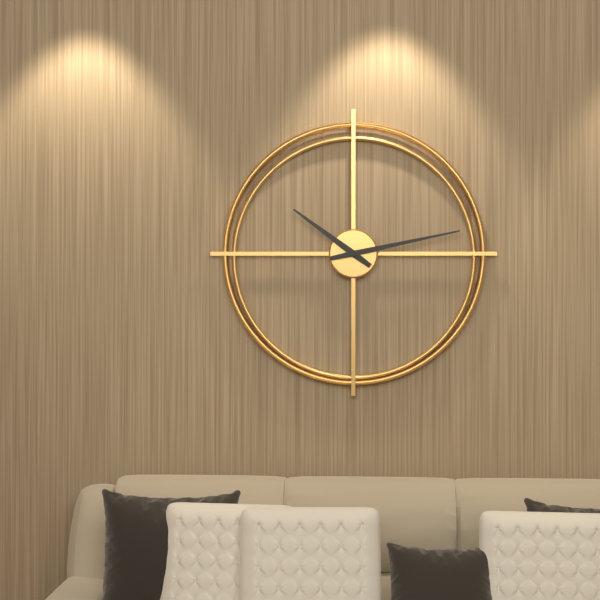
10:13
